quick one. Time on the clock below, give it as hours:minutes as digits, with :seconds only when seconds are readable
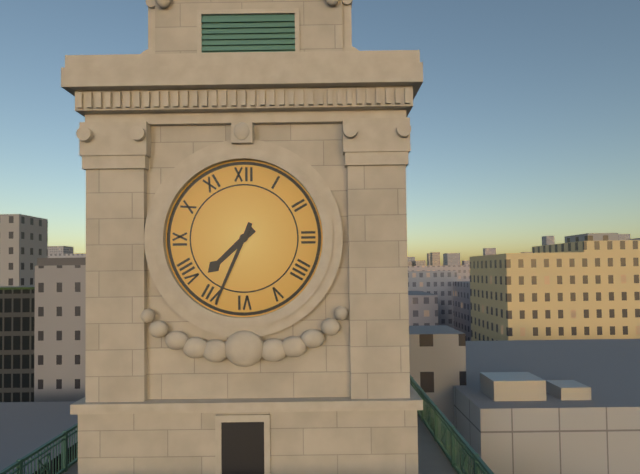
7:34
